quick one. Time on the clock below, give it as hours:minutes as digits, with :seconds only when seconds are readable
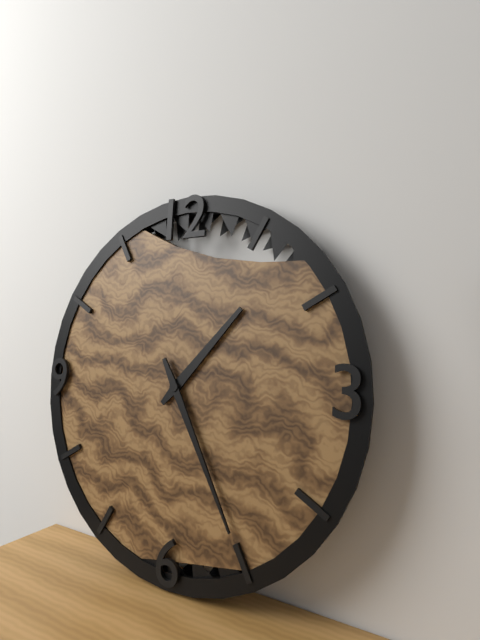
1:25
